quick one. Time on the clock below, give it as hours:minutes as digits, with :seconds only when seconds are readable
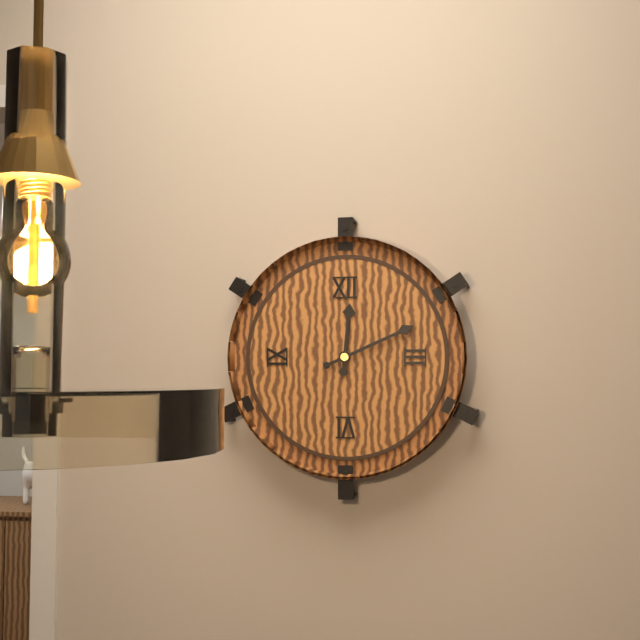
12:11
